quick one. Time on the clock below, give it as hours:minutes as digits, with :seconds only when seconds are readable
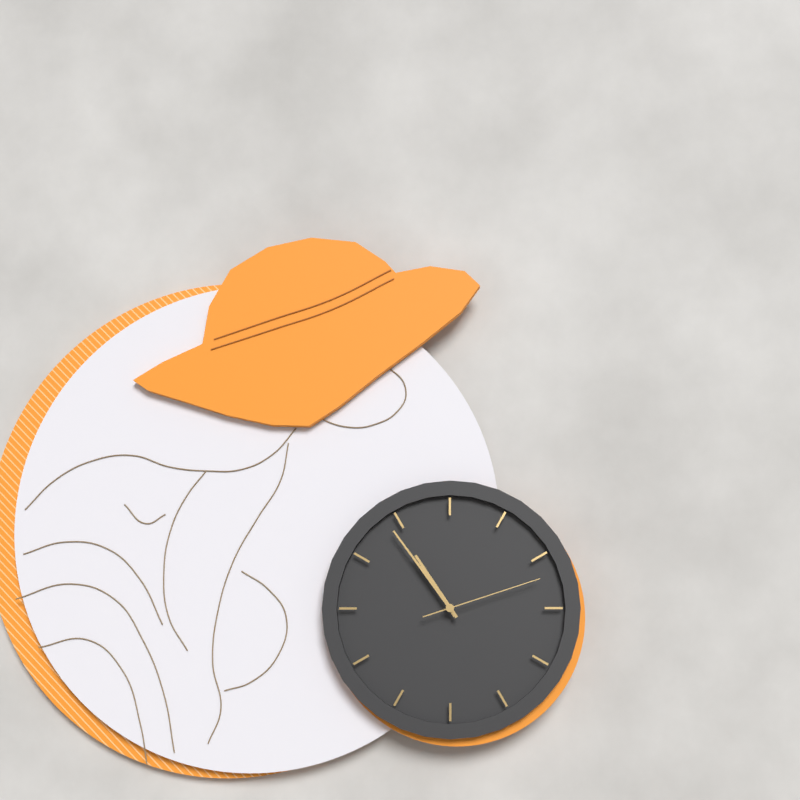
10:54:12
